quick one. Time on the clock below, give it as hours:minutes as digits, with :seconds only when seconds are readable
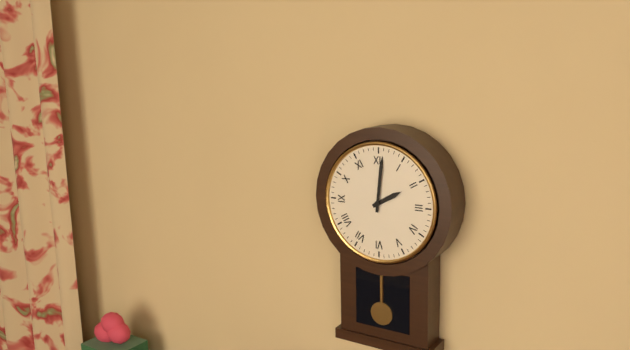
2:01
